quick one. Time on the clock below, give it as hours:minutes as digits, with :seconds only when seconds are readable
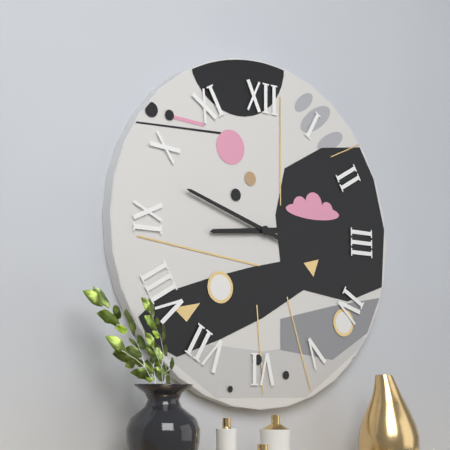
8:48
